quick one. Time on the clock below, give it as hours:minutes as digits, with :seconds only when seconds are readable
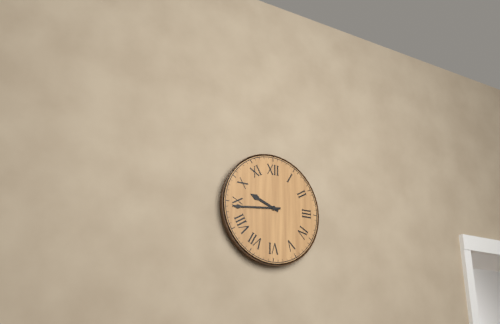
9:44
